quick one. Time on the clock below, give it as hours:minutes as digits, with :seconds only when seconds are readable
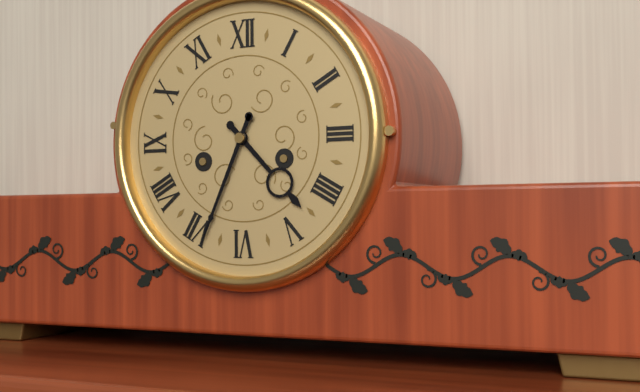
4:34
